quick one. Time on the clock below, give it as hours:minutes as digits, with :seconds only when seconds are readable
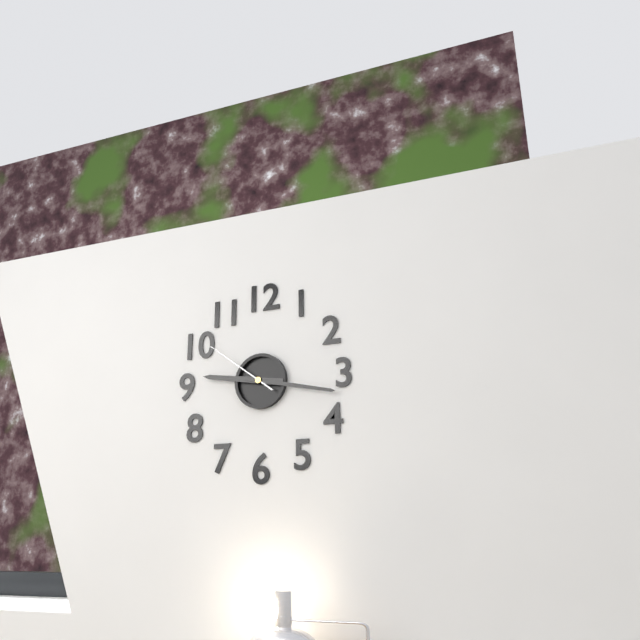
9:17:51
